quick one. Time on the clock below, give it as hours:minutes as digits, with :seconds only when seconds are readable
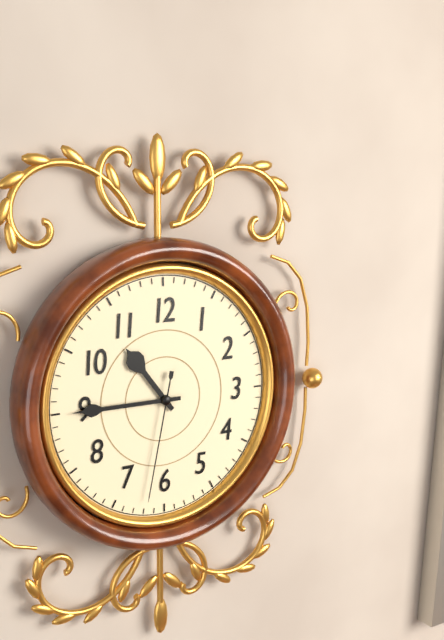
10:45:32
